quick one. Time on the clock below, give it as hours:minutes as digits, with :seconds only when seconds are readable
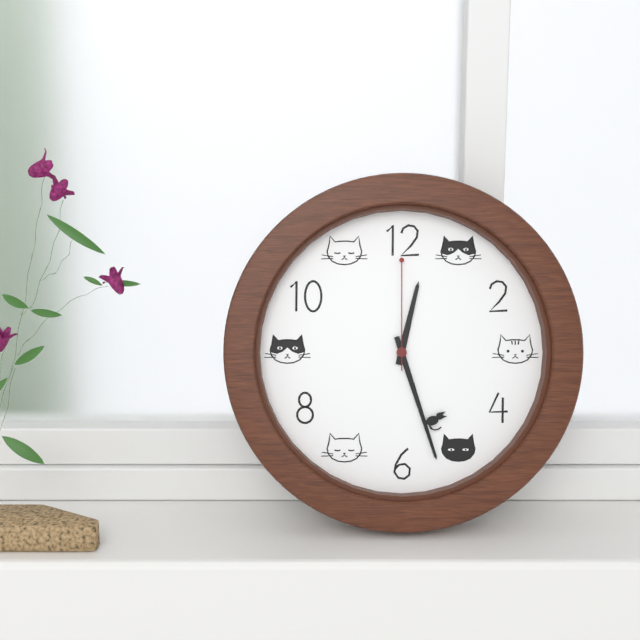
12:27:00
